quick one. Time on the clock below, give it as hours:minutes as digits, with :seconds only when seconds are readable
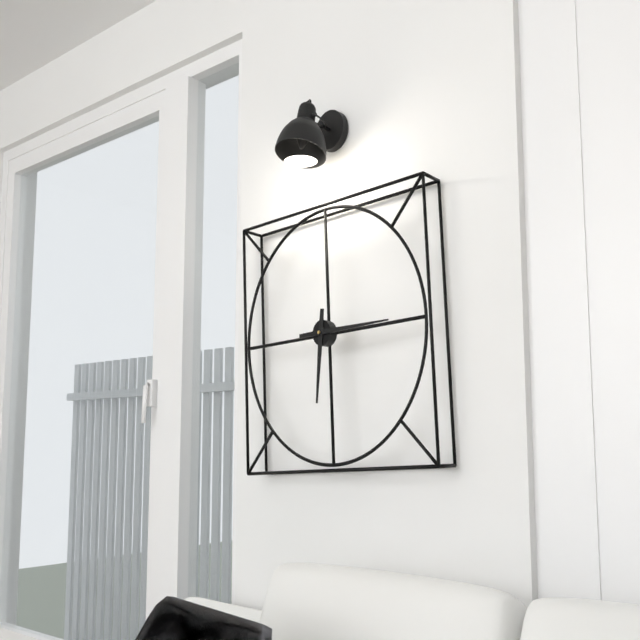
6:15
